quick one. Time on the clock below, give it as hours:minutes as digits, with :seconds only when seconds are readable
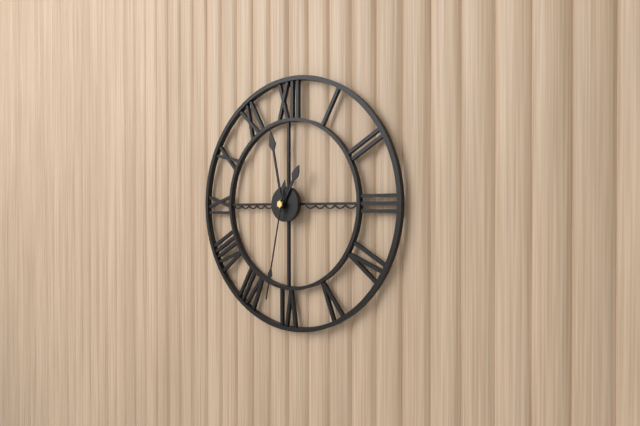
12:58:32
